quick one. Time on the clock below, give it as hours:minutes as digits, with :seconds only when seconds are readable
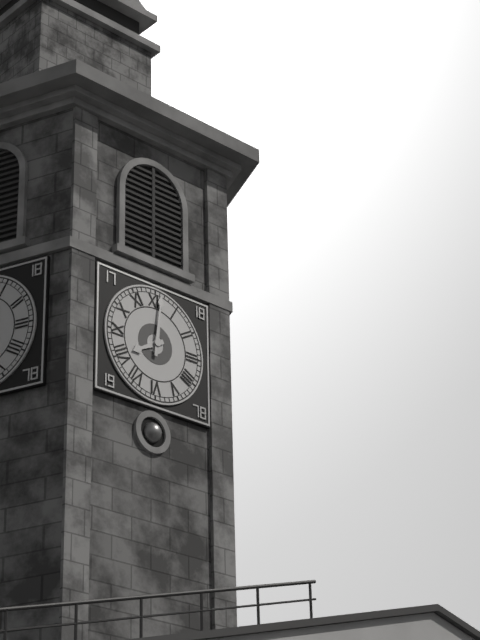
8:01
